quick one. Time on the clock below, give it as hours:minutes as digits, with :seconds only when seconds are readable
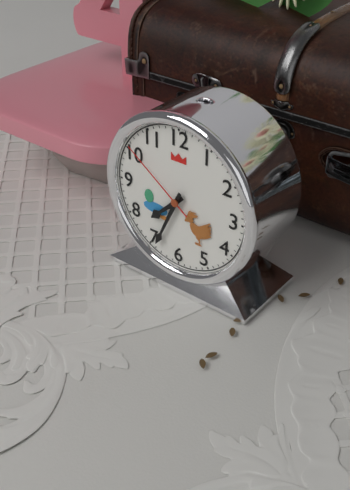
7:34:51
